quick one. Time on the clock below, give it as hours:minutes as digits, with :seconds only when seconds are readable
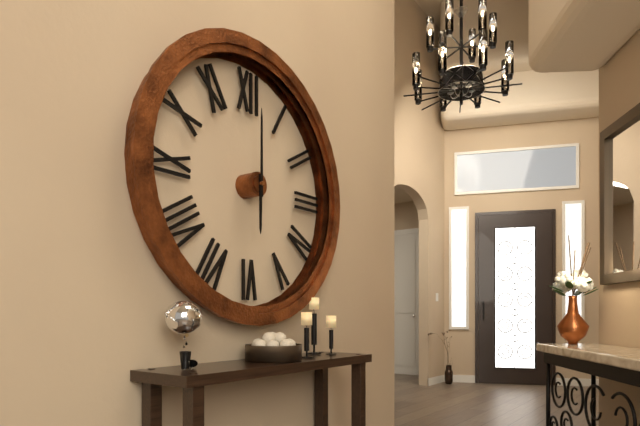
6:00
